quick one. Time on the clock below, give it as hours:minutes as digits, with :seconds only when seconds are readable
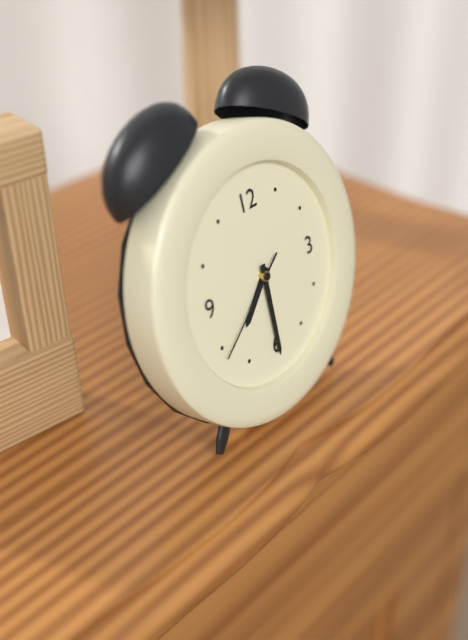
7:30:39
